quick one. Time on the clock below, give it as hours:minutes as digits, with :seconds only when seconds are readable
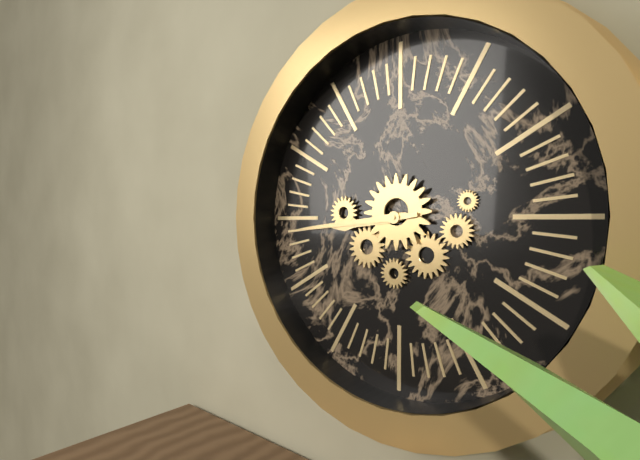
8:44
